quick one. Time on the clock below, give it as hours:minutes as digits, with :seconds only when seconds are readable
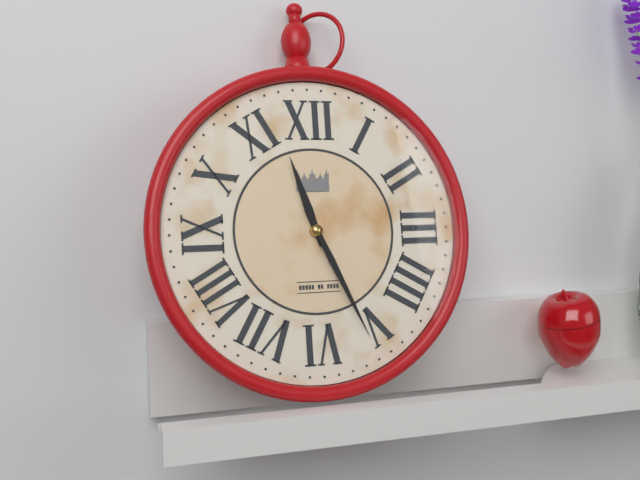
11:26
